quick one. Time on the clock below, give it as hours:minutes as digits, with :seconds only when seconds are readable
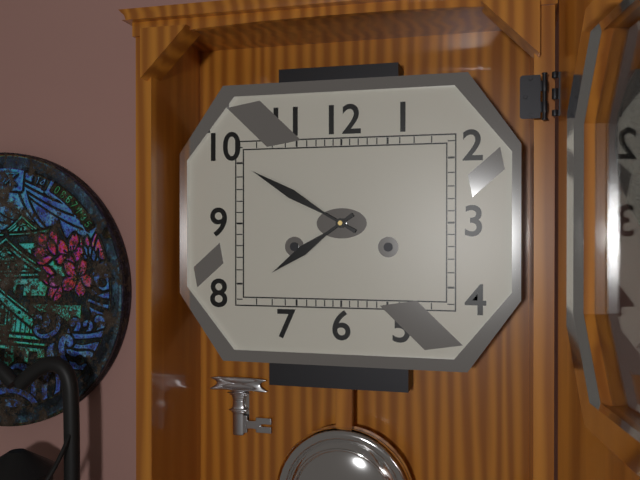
7:50
